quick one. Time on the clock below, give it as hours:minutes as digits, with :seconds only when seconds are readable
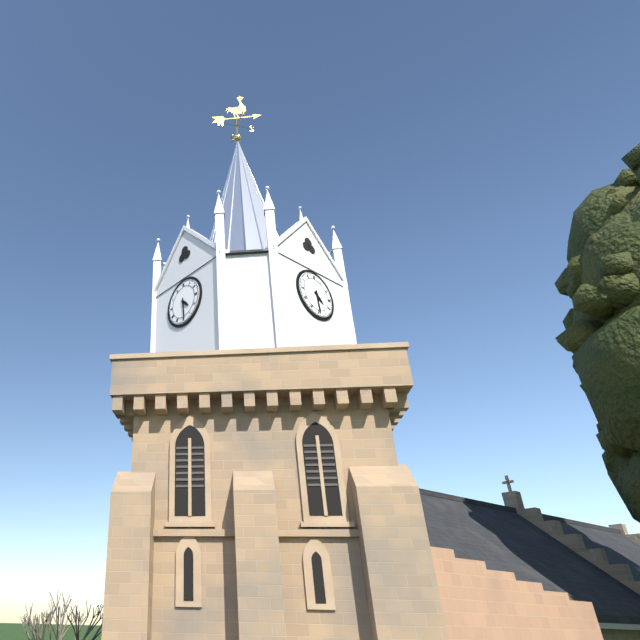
4:29
